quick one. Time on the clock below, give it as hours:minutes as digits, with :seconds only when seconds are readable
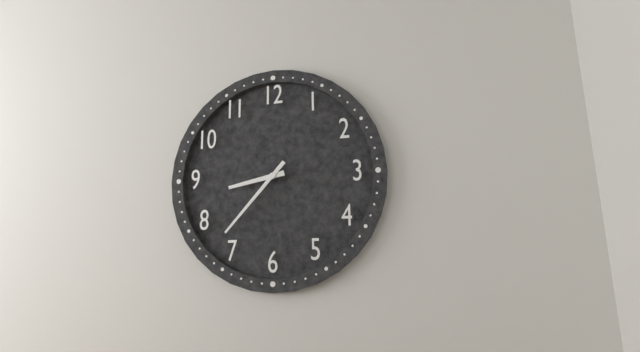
8:37
